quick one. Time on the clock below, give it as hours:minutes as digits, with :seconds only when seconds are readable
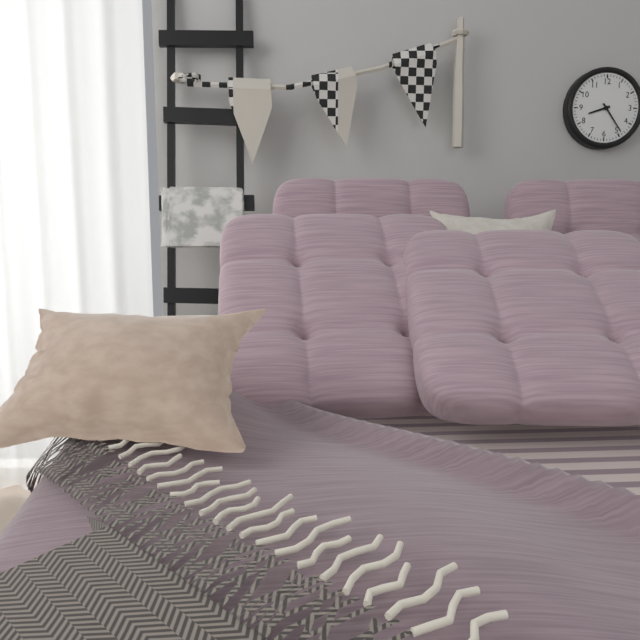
8:24
